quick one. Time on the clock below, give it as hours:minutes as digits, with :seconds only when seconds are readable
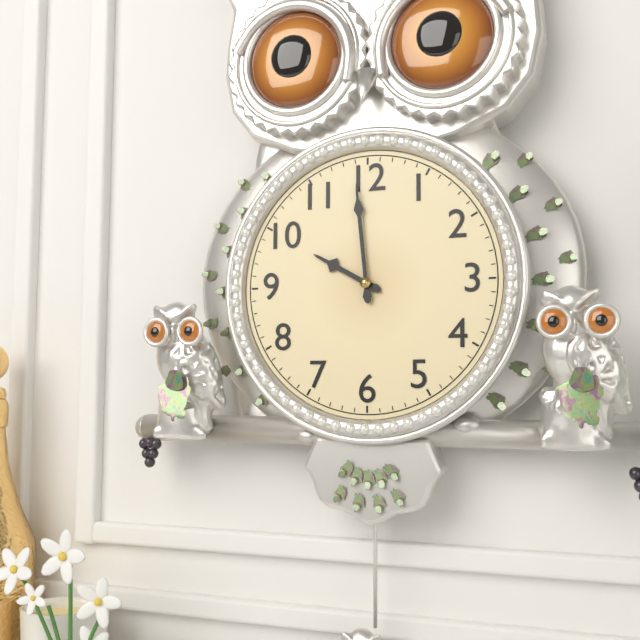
9:59
